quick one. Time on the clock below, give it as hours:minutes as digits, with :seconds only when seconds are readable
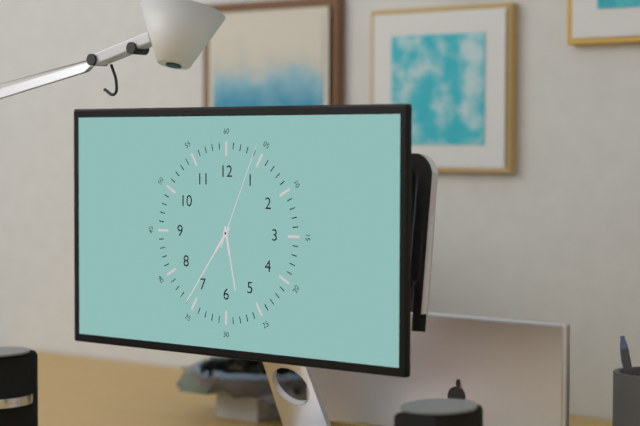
5:36:04
